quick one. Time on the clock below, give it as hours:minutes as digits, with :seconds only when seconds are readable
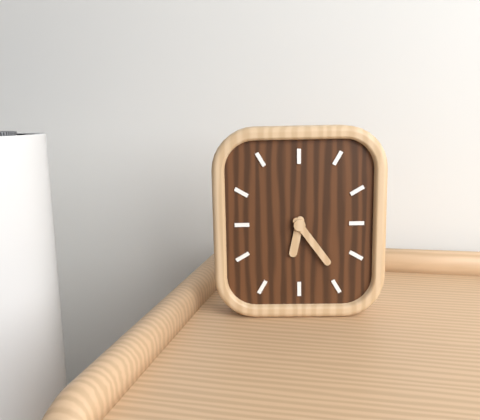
6:24
